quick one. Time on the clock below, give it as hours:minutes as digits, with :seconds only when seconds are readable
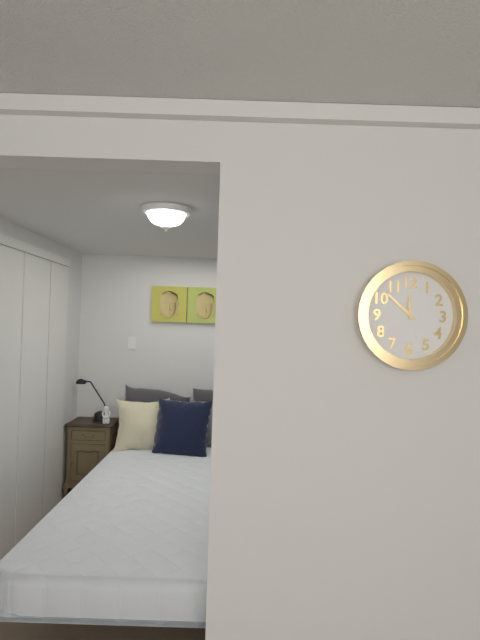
11:52
